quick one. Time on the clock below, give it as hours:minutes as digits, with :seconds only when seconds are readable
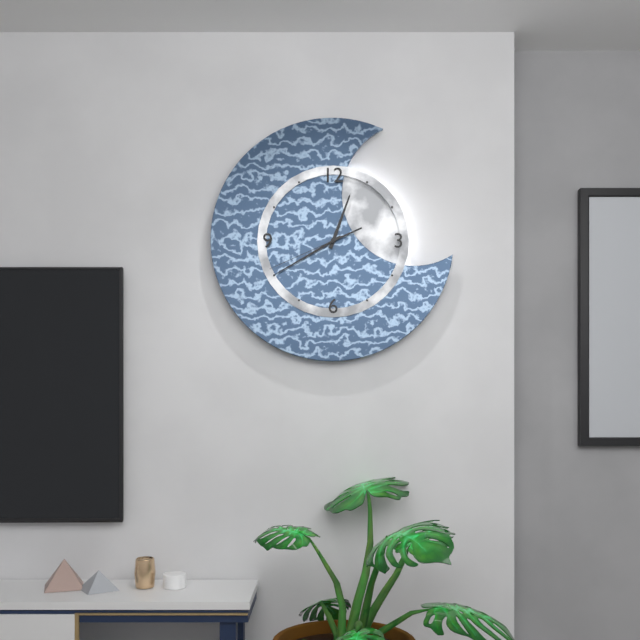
12:40:41
